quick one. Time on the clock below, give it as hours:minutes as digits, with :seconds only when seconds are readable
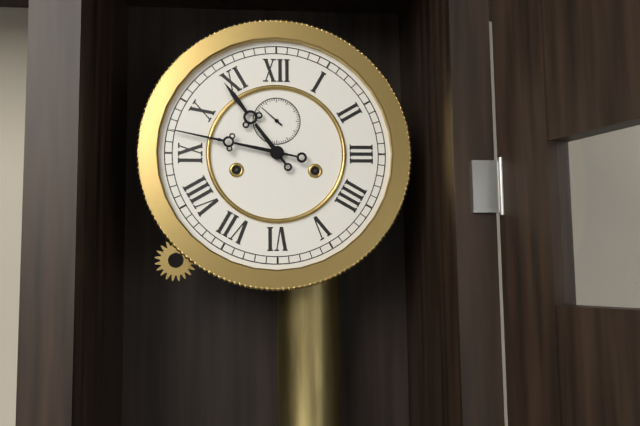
10:47
